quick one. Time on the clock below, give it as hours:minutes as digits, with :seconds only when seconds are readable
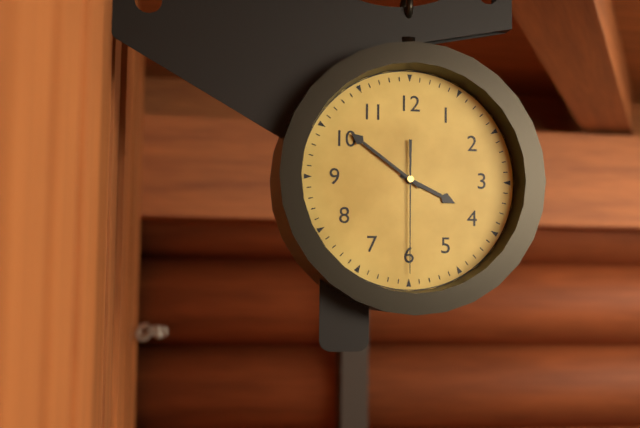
3:51:30
